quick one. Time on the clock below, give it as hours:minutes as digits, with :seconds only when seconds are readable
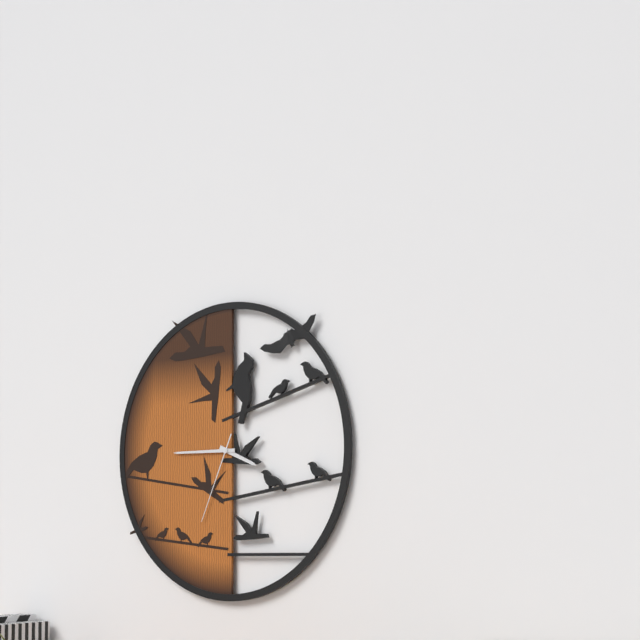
3:45:34
